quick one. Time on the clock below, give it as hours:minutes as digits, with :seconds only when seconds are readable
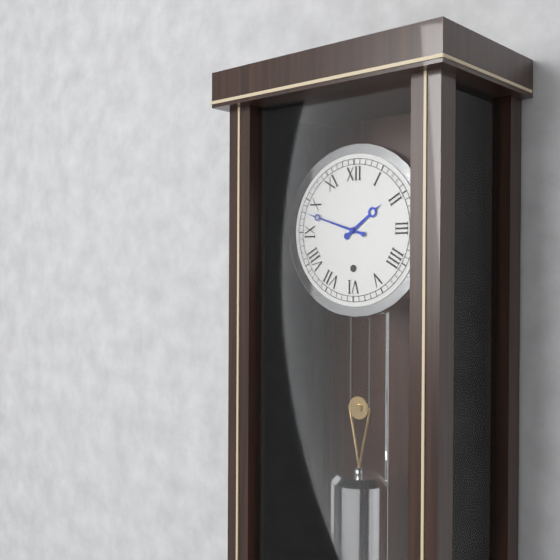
1:48
